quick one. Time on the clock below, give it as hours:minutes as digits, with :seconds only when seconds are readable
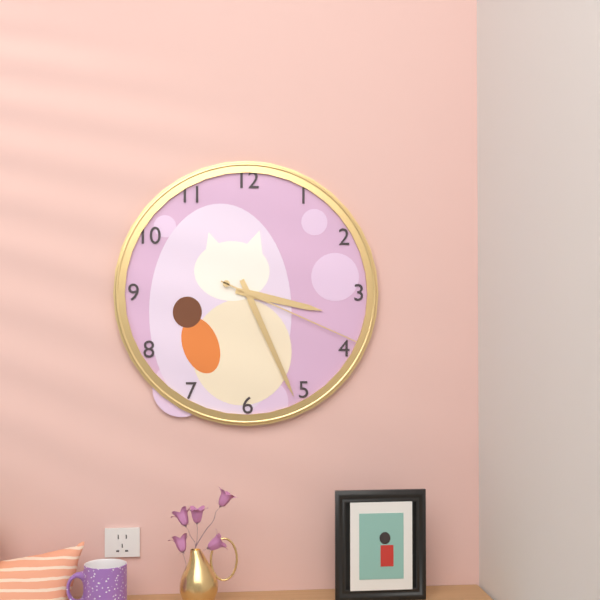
3:26:19
